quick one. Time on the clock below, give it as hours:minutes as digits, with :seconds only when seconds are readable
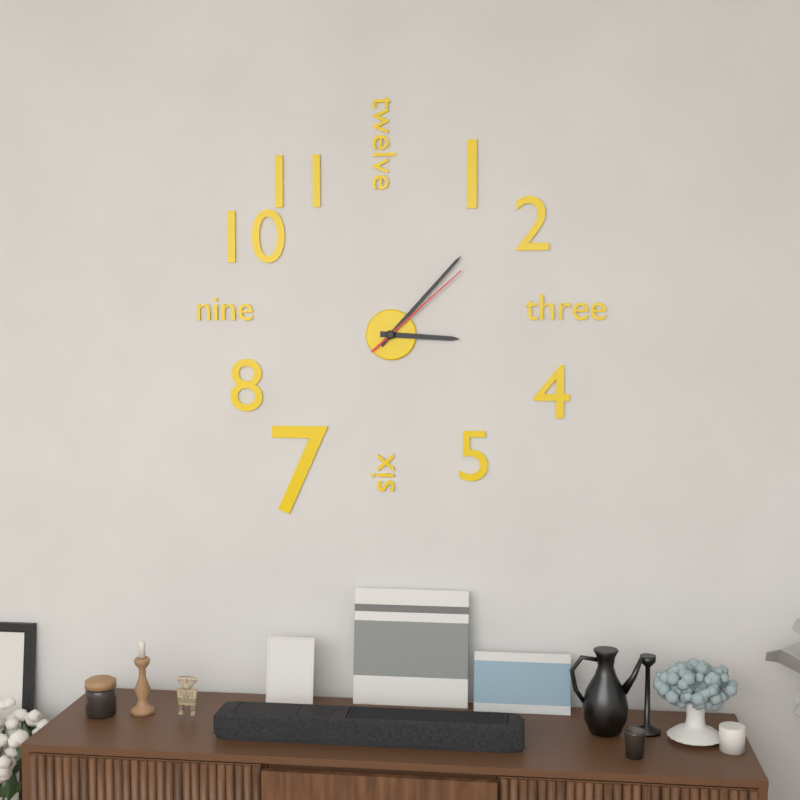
3:07:08
